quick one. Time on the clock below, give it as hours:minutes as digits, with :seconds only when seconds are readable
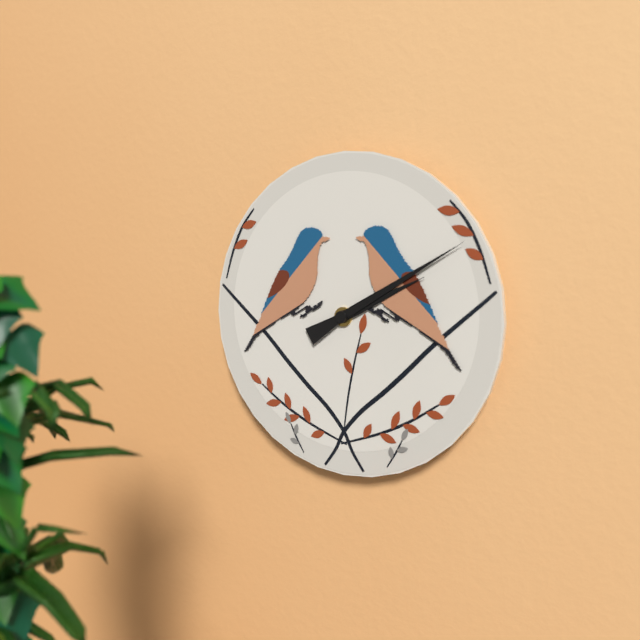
2:10
